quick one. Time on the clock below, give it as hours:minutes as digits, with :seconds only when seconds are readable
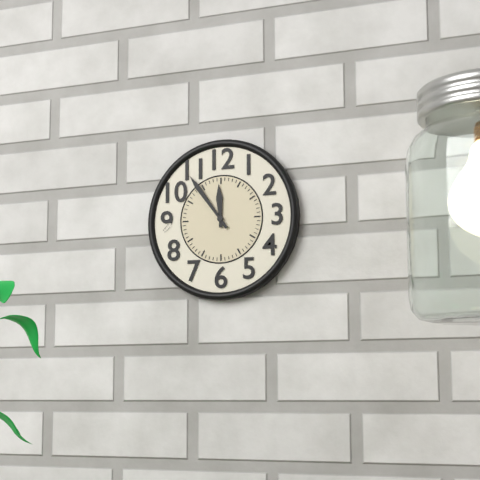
11:54
